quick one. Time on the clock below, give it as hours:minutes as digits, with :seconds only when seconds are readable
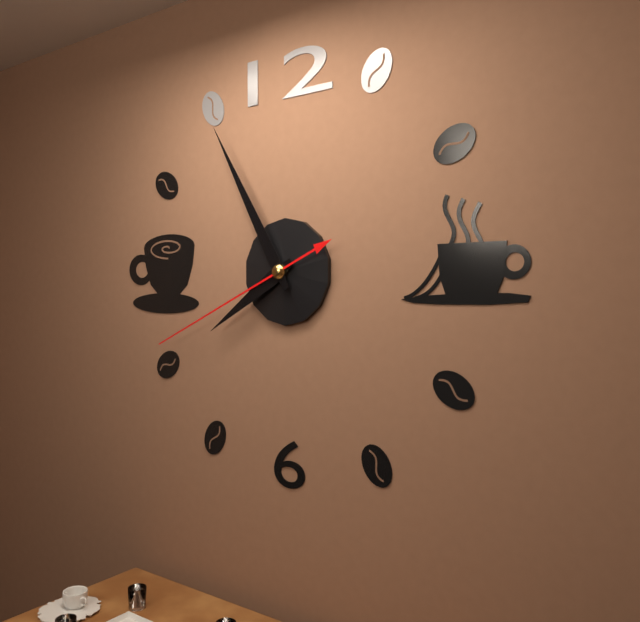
7:55:41
